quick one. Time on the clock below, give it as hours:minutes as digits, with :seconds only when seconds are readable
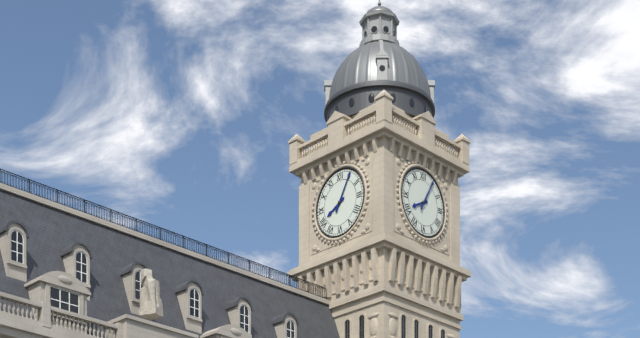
8:05
